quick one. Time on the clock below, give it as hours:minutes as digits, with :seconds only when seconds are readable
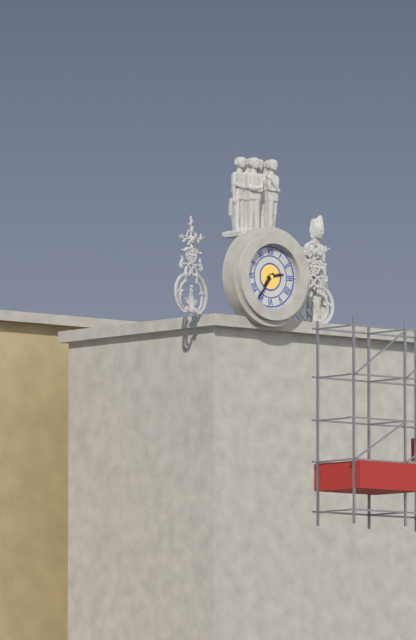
2:36
